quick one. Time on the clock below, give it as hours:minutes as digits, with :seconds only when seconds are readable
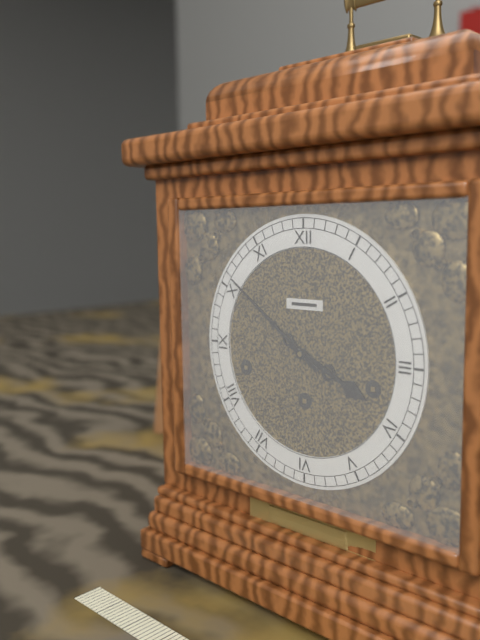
3:51
